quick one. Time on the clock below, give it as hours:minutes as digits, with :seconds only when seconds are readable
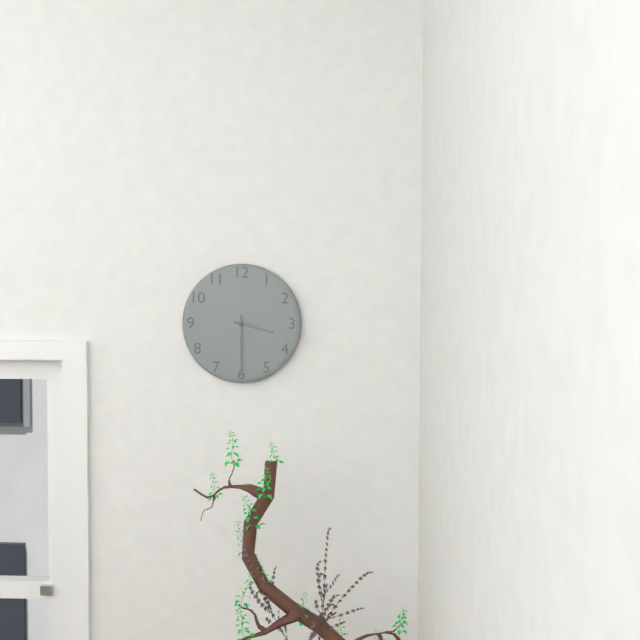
3:30
